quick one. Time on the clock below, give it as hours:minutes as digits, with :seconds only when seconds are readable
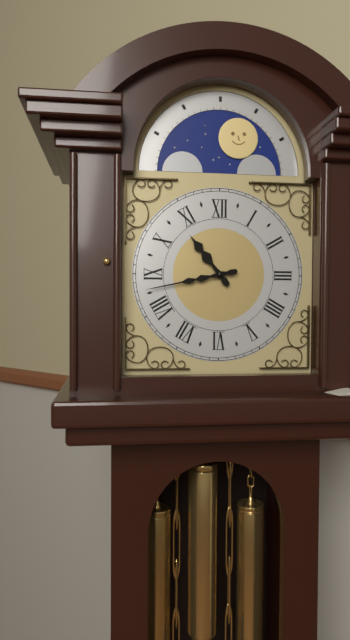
10:43
